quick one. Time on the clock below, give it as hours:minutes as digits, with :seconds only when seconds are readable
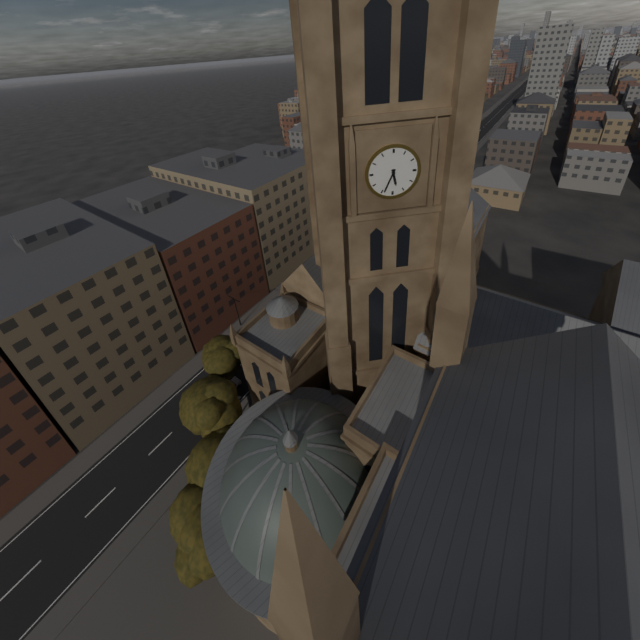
5:34
